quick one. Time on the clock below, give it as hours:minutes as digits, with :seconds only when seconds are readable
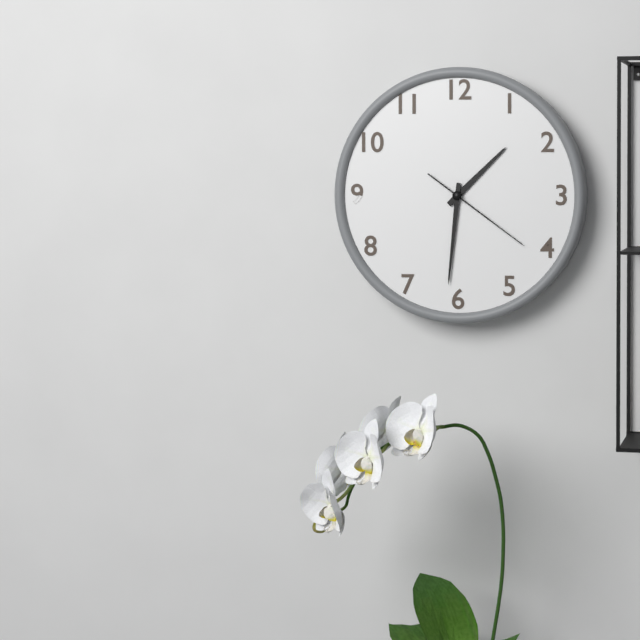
1:31:21
